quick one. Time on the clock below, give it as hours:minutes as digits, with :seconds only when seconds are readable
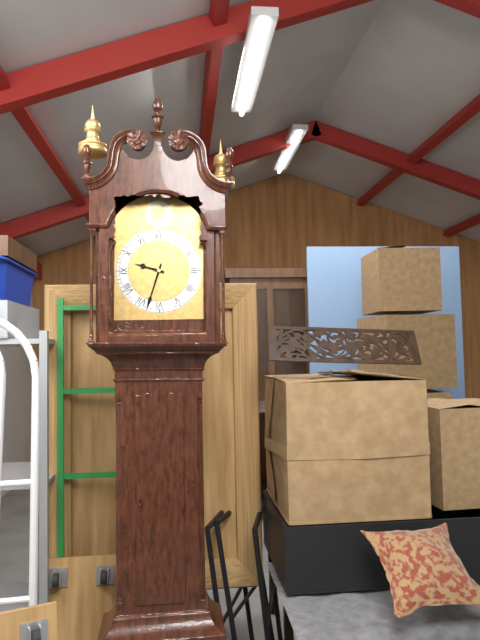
9:33
